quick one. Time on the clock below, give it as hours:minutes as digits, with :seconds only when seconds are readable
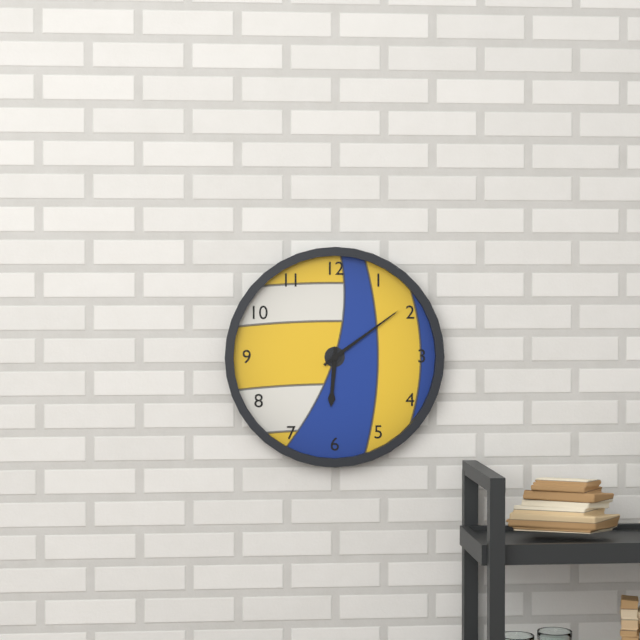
6:09
